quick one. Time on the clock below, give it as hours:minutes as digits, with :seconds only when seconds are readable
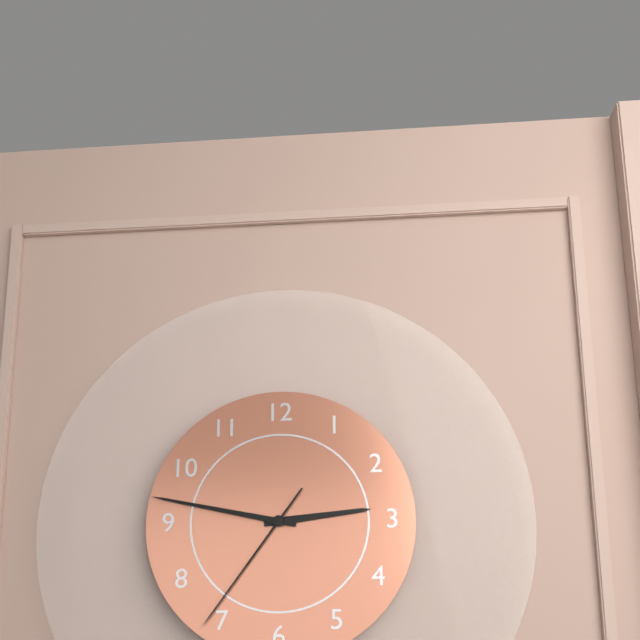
2:47:36
